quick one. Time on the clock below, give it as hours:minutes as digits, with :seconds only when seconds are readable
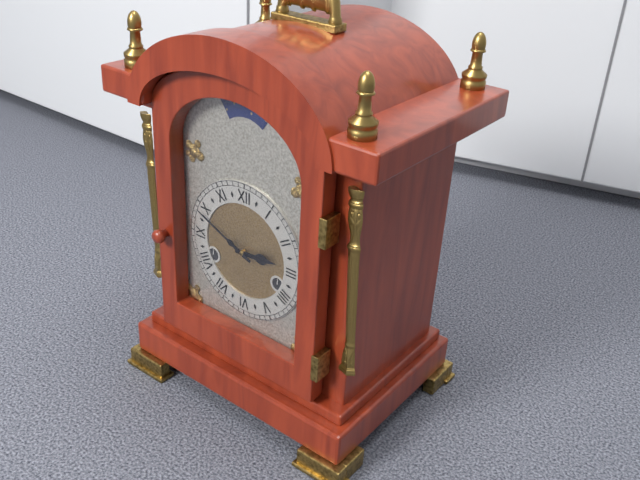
2:49
